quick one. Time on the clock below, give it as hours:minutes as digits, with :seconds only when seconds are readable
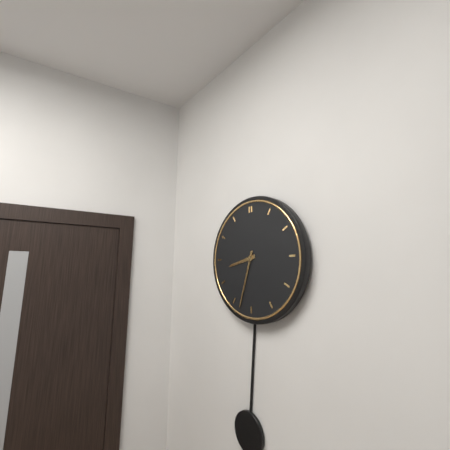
8:33
